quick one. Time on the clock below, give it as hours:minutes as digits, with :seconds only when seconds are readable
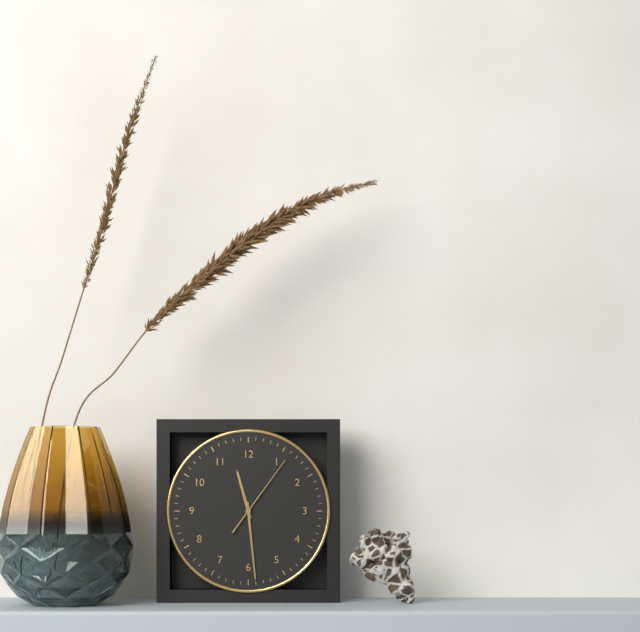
11:29:06
